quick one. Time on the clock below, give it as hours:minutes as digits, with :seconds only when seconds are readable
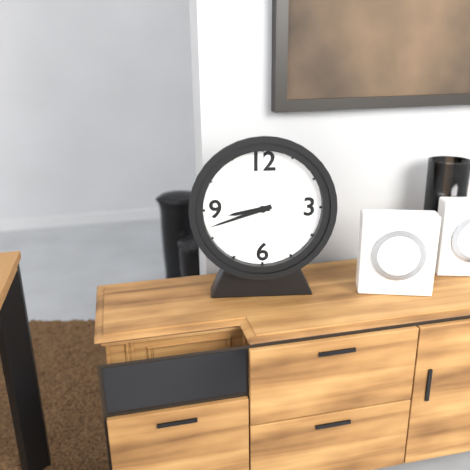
8:42
